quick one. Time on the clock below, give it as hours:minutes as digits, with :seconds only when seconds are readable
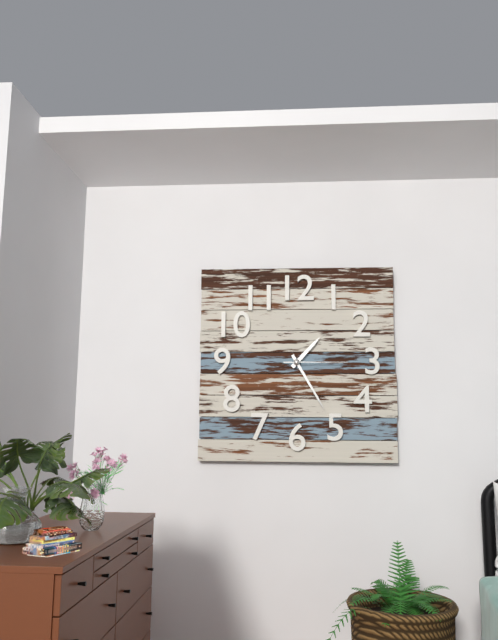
1:25:15
